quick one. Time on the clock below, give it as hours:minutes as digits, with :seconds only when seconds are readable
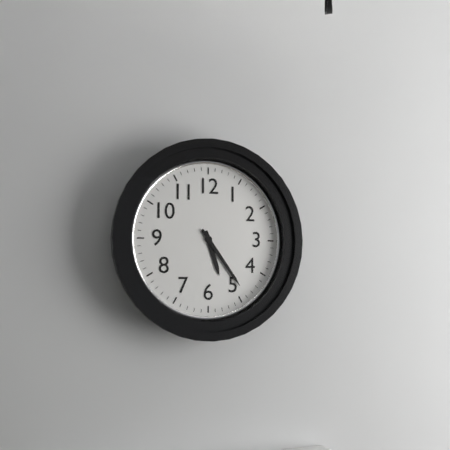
5:24
